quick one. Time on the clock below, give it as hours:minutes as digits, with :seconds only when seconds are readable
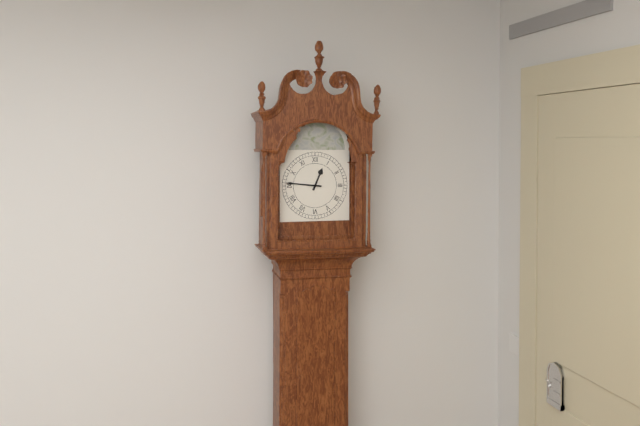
12:46
